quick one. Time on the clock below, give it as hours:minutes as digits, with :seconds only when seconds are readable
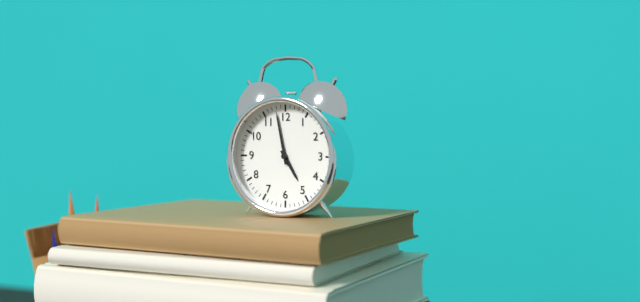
4:58
